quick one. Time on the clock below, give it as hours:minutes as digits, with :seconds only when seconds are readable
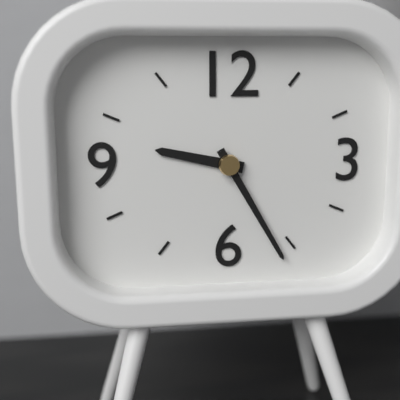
9:25
